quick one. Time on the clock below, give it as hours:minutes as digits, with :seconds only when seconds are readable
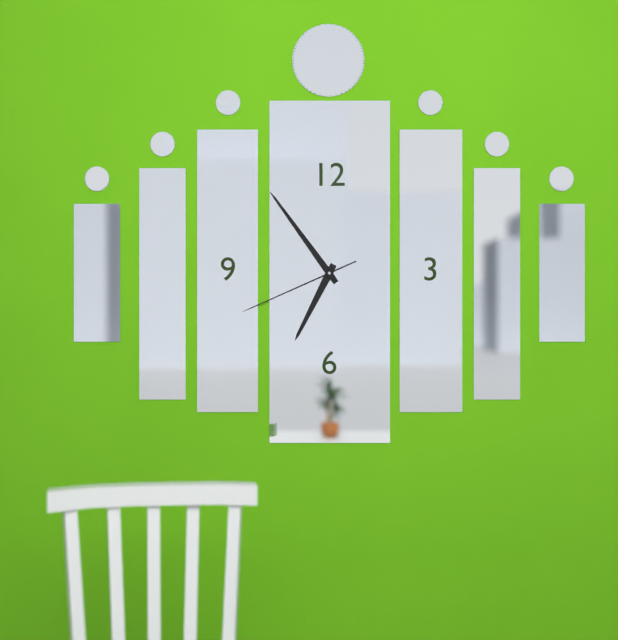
6:54:41
